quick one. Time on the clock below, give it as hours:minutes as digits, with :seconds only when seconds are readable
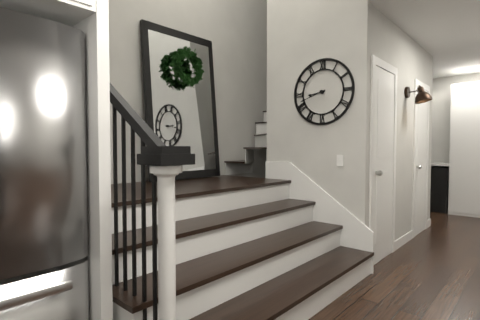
8:42
